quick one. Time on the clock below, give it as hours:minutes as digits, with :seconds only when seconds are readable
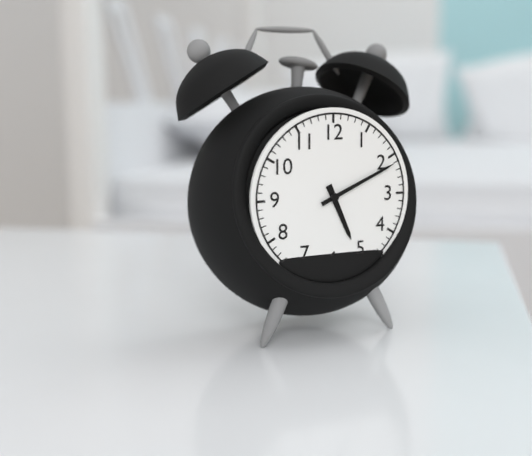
5:11
